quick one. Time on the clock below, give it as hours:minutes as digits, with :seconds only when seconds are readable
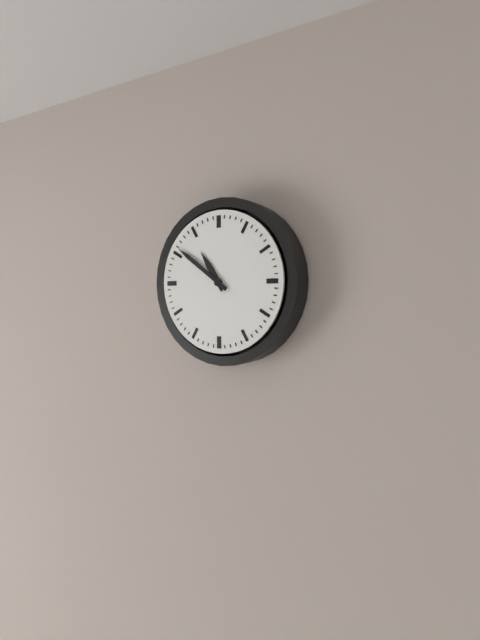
10:51
